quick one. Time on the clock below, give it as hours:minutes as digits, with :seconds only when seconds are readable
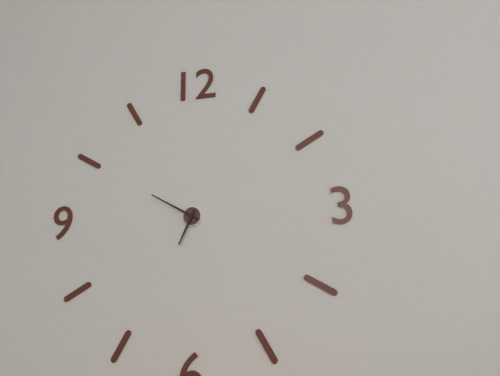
6:50
